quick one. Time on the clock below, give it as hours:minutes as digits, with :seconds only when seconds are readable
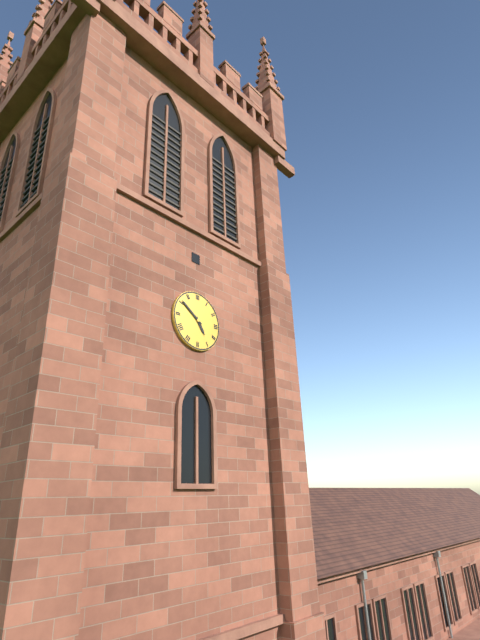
4:51
